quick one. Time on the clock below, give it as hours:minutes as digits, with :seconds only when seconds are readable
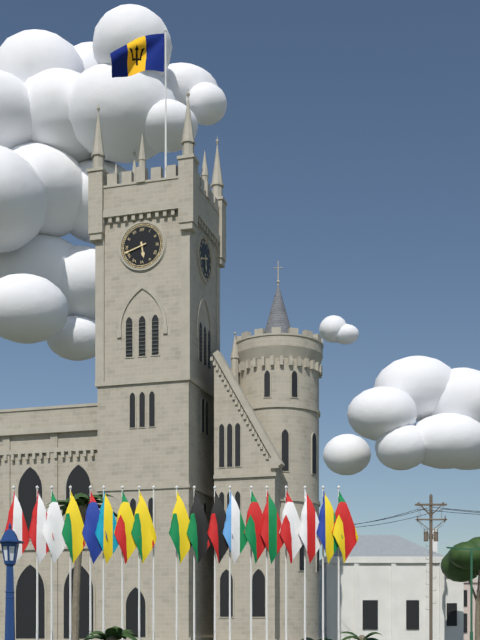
5:42
